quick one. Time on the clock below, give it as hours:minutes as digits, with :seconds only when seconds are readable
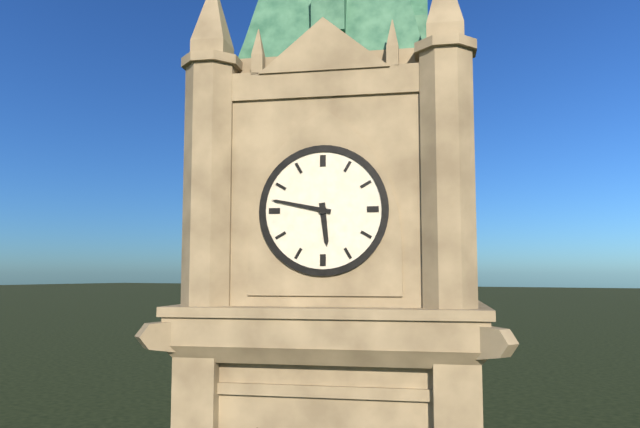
5:47
